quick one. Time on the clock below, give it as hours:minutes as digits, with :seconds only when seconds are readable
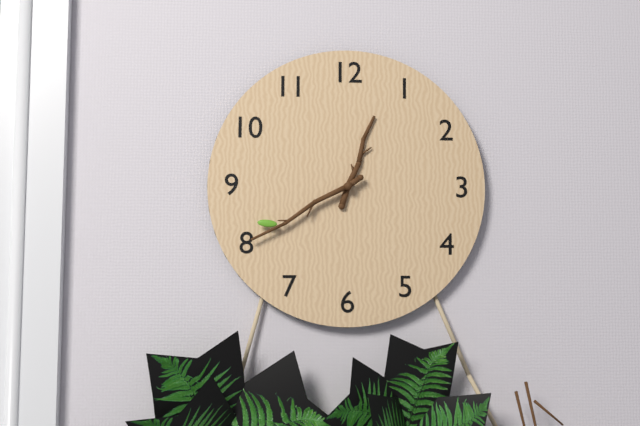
12:40
